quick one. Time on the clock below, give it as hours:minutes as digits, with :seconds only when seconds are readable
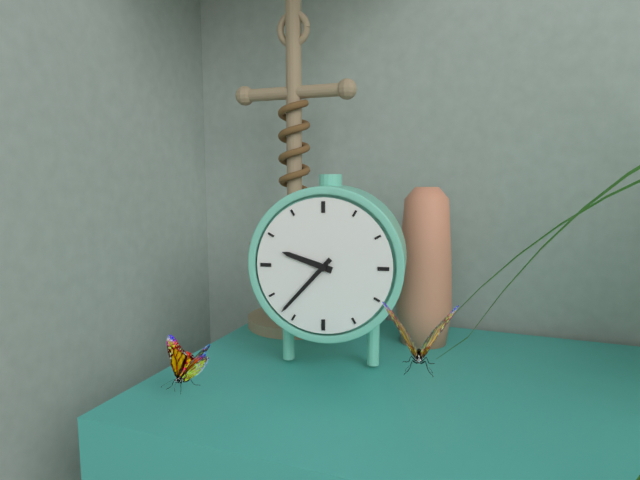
9:37
